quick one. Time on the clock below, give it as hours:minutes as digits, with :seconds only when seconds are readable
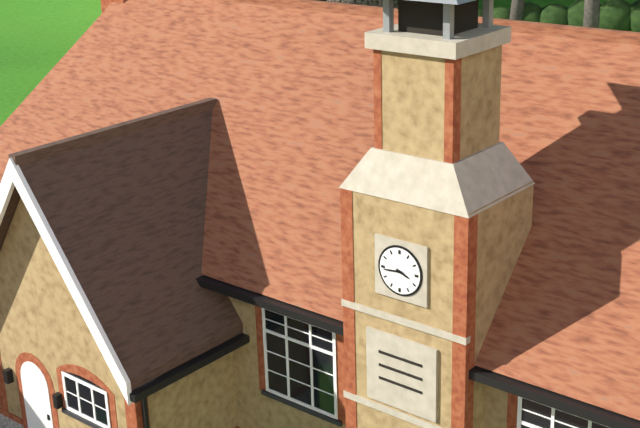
3:44
